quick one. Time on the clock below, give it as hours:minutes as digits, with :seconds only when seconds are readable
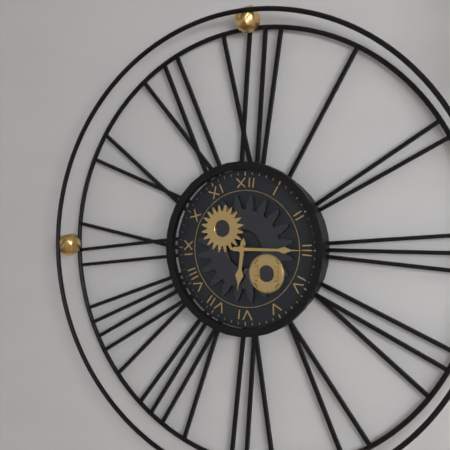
6:15
